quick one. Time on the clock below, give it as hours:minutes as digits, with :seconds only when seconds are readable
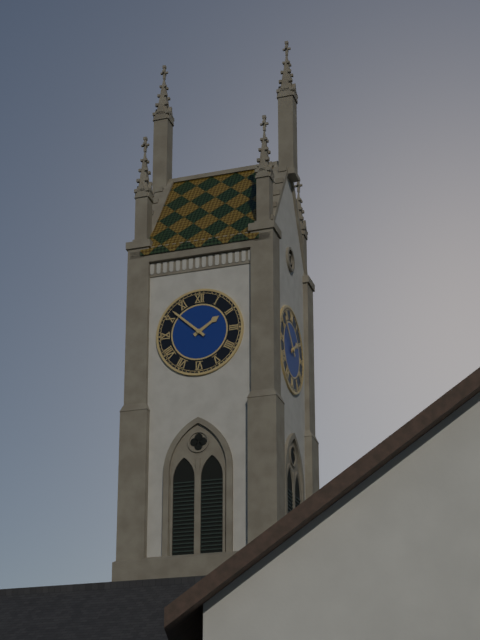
1:52
